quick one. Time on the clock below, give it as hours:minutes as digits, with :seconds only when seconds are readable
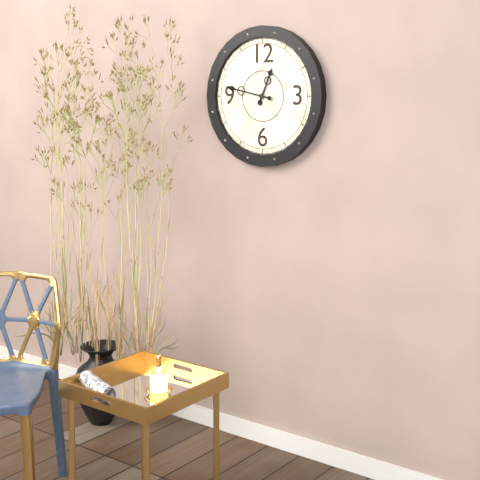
12:47
